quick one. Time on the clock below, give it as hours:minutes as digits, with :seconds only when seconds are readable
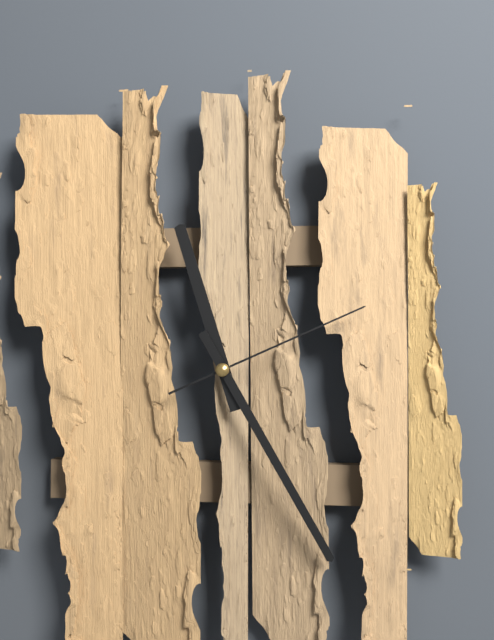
11:25:11
